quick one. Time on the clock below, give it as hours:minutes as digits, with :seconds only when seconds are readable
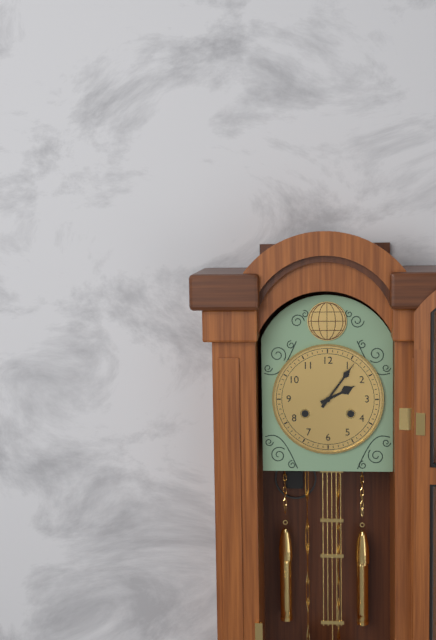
2:06
